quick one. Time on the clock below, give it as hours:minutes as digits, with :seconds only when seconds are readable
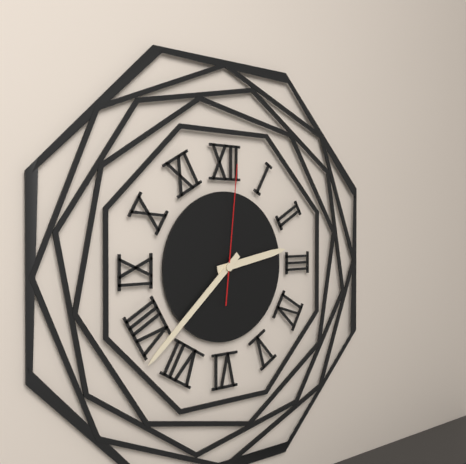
2:38:01
